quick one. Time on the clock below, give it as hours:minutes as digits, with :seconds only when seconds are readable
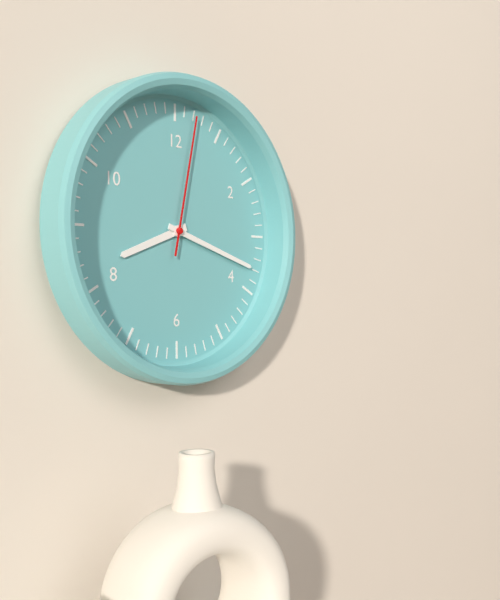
8:18:02
